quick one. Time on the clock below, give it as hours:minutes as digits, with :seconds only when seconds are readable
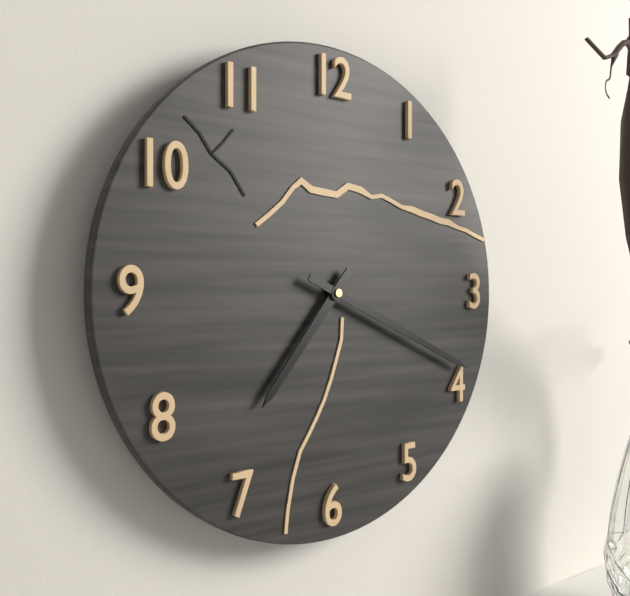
7:19
